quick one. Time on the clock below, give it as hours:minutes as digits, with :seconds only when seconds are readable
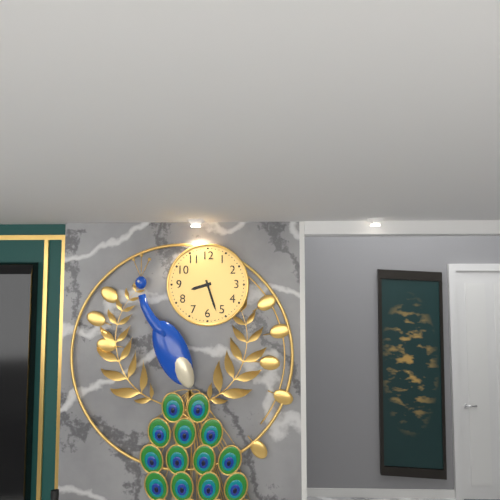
8:27
